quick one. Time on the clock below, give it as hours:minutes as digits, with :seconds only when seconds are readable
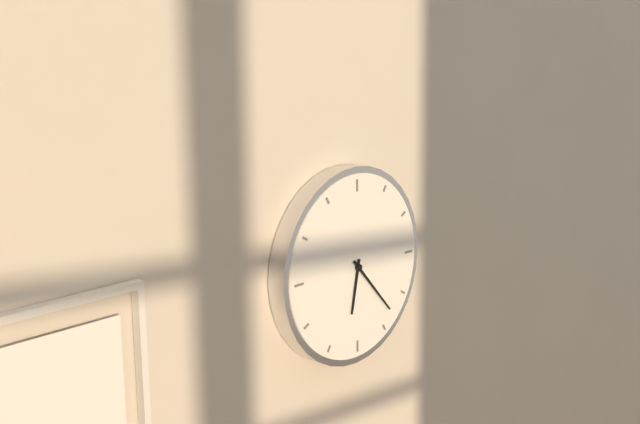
6:23
